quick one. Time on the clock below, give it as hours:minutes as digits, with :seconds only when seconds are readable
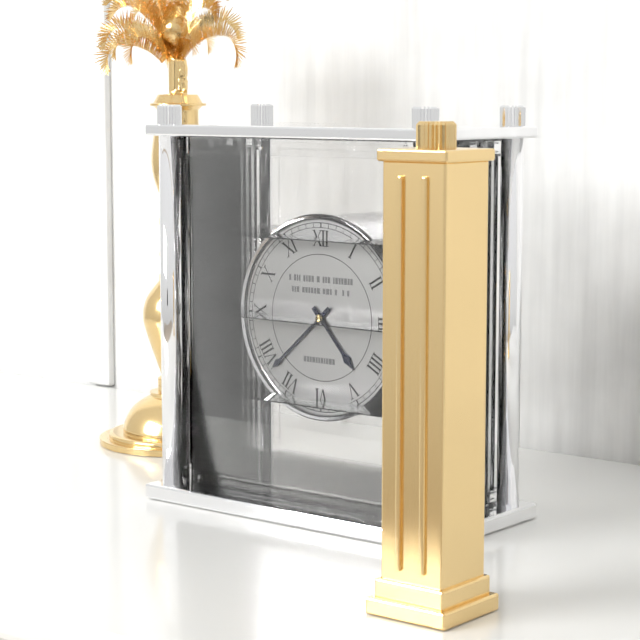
4:38
